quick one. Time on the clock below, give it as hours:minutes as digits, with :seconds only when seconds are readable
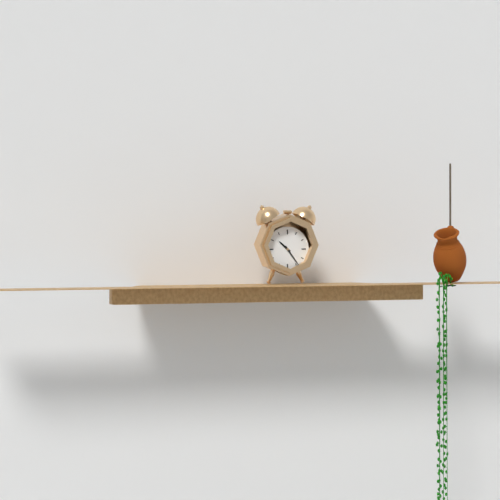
10:24
